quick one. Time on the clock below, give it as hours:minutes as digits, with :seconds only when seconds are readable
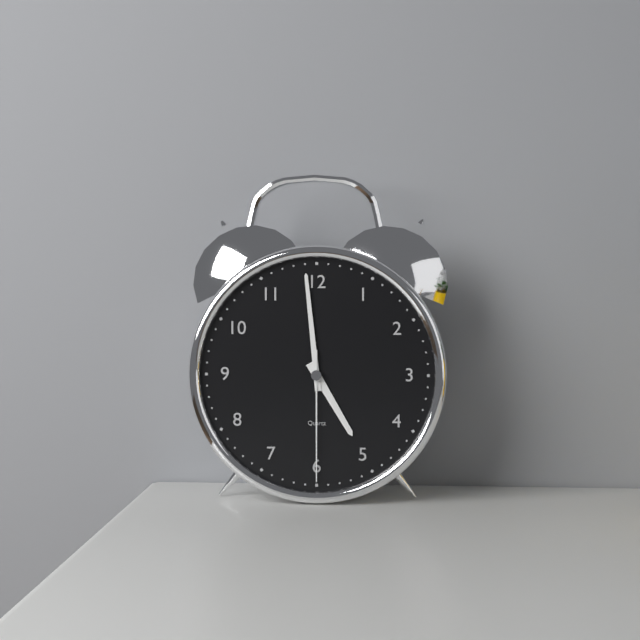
4:59:30
